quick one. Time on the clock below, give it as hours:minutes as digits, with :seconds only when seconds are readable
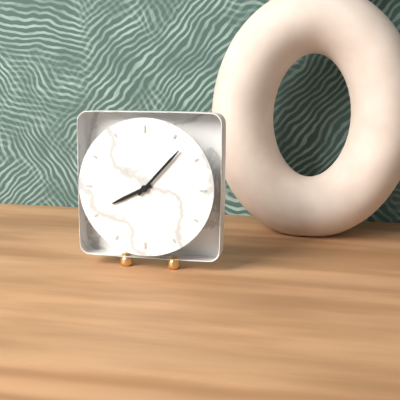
8:07
